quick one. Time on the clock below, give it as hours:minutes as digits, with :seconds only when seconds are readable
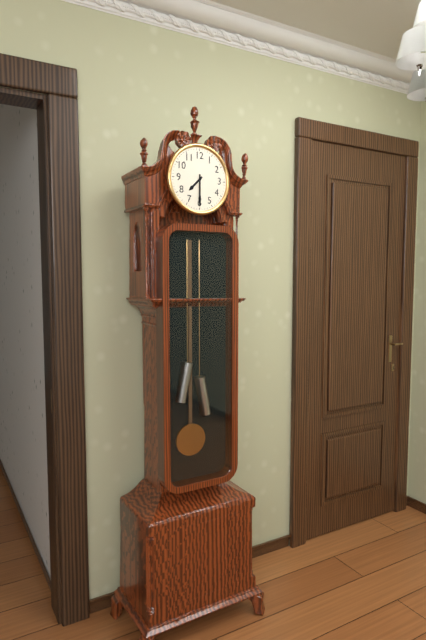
7:30
